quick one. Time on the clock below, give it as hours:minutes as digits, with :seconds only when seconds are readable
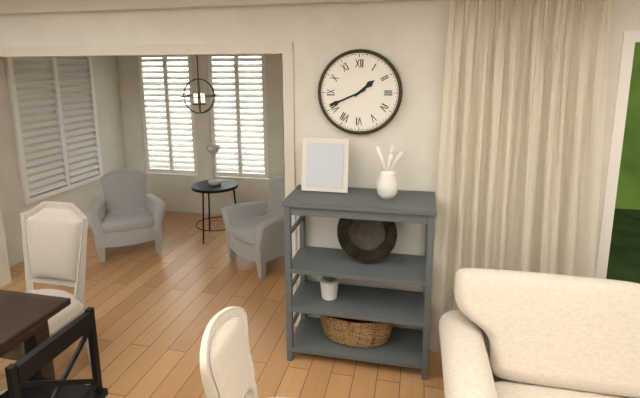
1:41
